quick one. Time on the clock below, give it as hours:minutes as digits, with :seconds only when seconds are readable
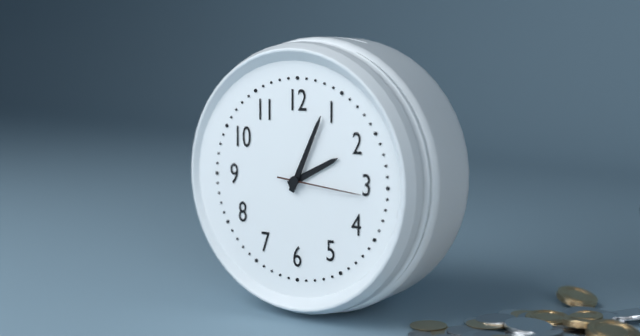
2:04:16
